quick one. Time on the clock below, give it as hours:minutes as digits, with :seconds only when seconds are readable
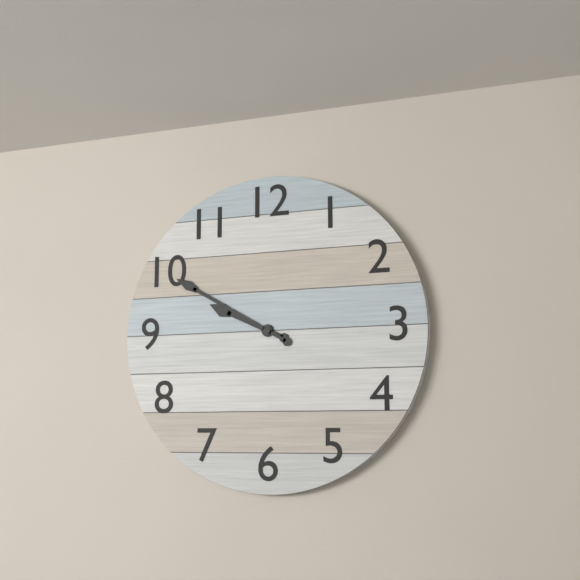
9:50
